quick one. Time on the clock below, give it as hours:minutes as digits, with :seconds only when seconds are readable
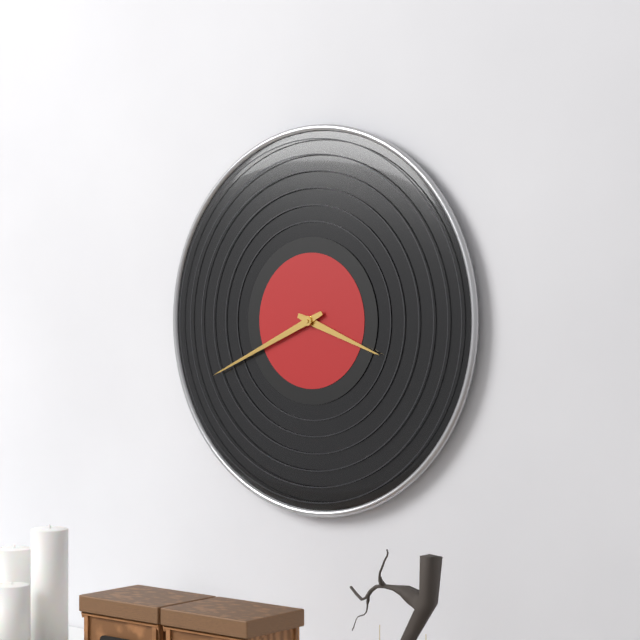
3:41
